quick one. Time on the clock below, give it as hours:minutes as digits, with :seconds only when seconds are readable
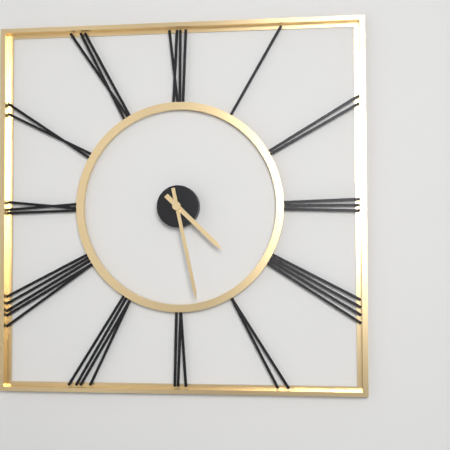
4:28
